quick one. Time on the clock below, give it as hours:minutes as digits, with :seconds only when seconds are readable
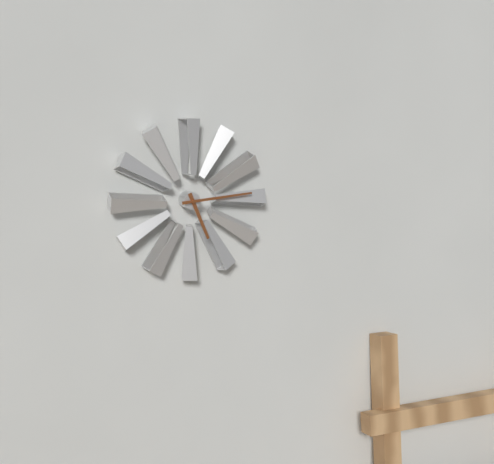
5:14
